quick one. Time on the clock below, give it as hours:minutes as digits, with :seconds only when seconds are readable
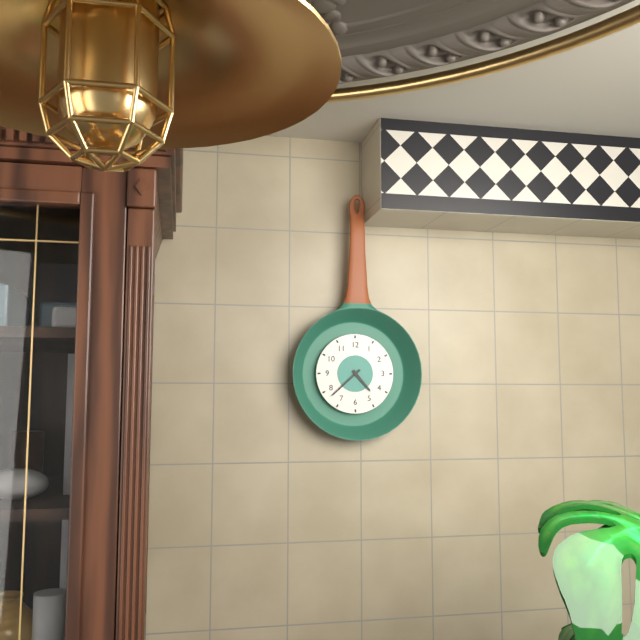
4:38
